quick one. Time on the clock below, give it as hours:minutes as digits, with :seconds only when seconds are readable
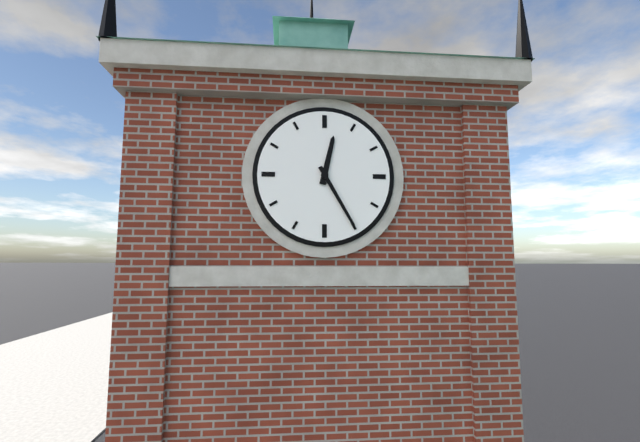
12:25
